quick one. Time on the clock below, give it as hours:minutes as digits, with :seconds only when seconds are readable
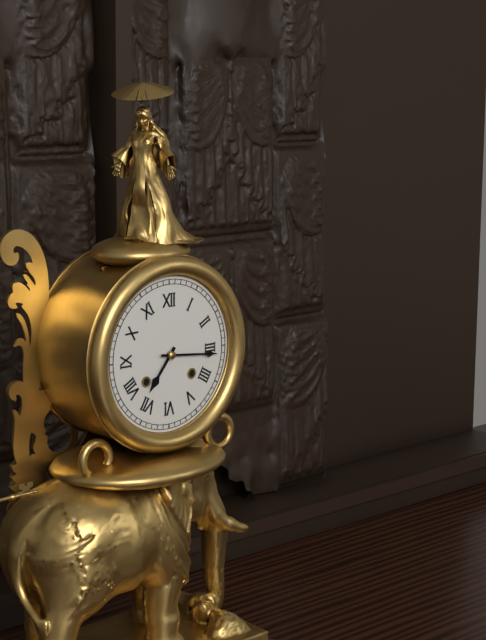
7:16
